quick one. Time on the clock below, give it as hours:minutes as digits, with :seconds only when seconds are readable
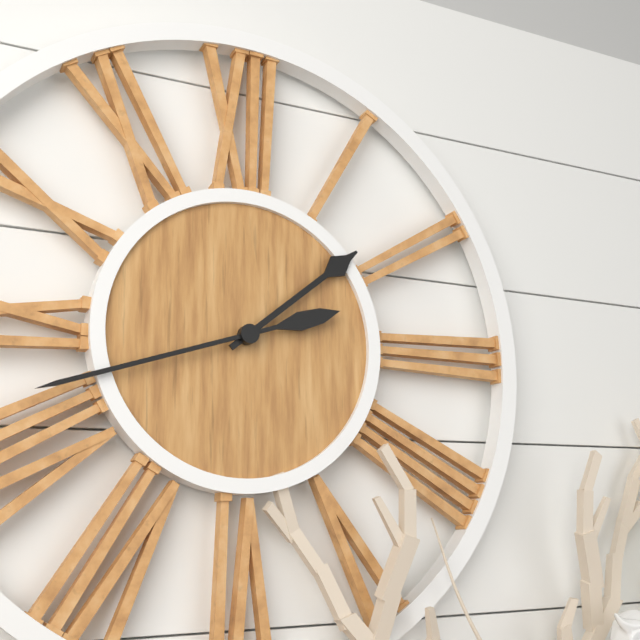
1:42
